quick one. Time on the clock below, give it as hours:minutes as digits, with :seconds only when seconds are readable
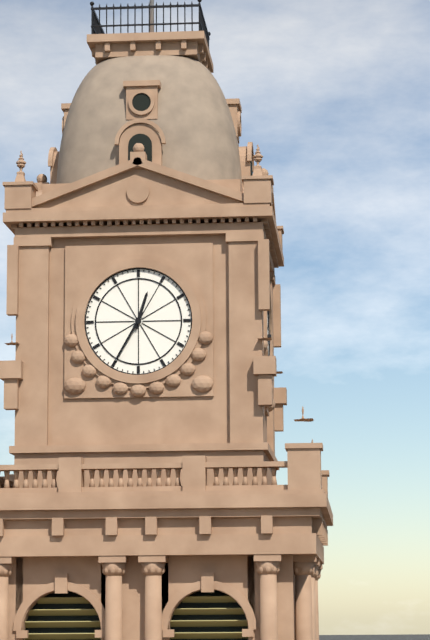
12:35
